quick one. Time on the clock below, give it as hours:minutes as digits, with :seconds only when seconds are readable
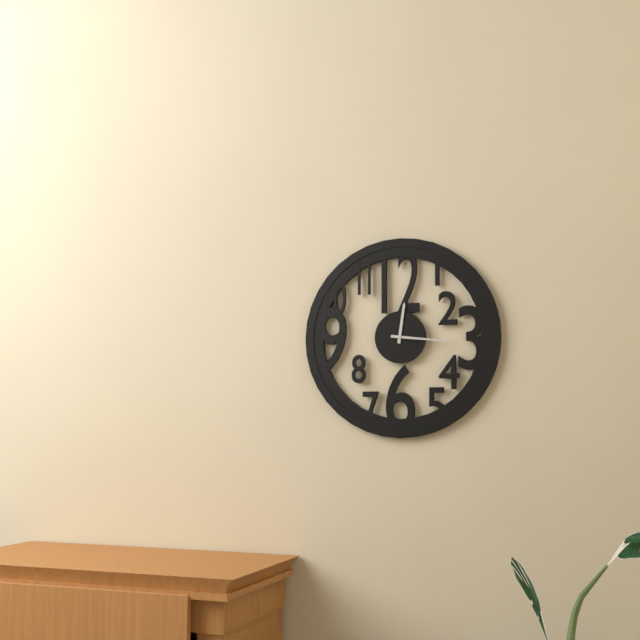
12:16
